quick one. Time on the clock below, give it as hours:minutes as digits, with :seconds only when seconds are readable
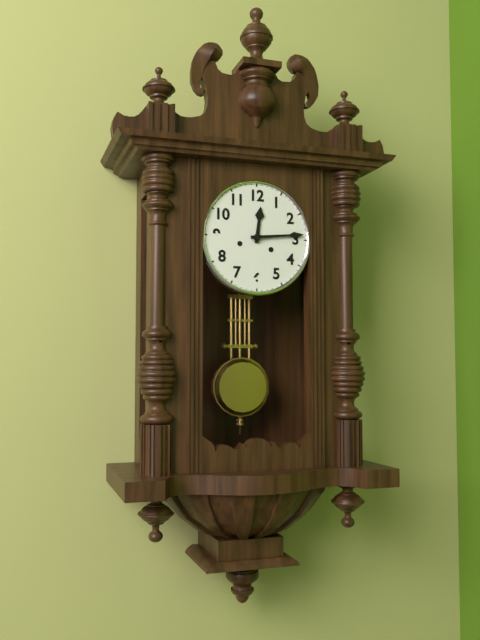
12:14
